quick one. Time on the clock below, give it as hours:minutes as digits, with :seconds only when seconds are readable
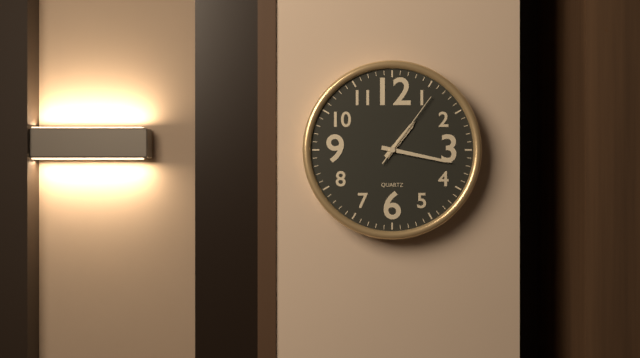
1:17:06
